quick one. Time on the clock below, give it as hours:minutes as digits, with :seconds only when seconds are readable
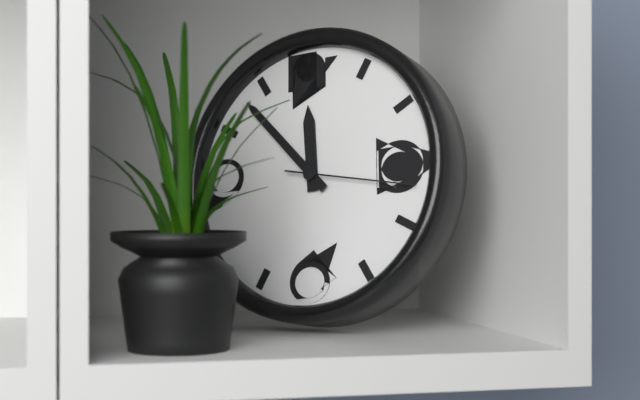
11:53:17
